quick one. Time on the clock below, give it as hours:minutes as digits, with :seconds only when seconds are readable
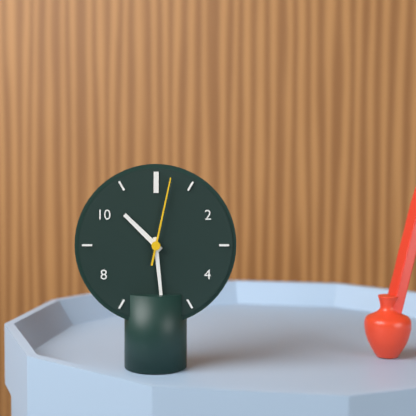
10:29:02
